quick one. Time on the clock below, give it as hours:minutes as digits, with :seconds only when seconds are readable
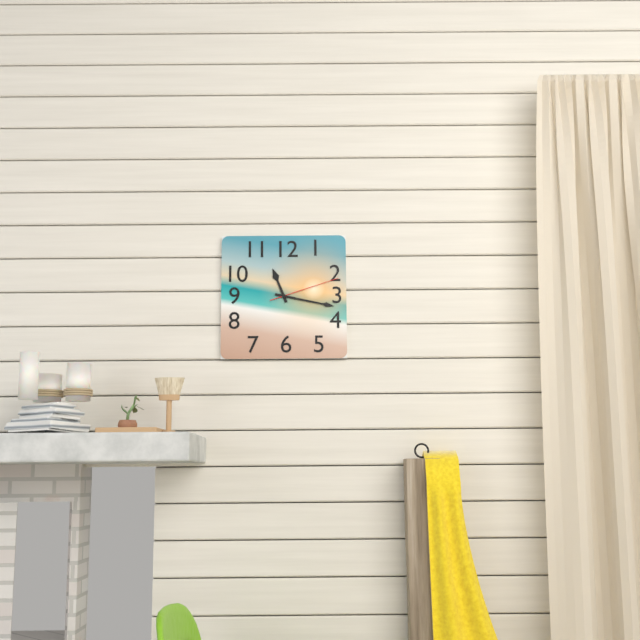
11:17:12
